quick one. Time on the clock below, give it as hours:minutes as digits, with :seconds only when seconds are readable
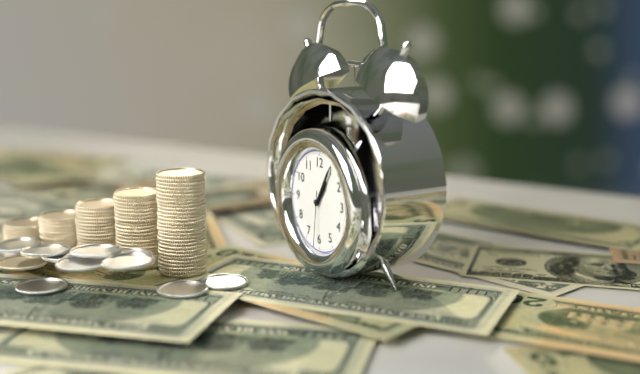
1:05:31
